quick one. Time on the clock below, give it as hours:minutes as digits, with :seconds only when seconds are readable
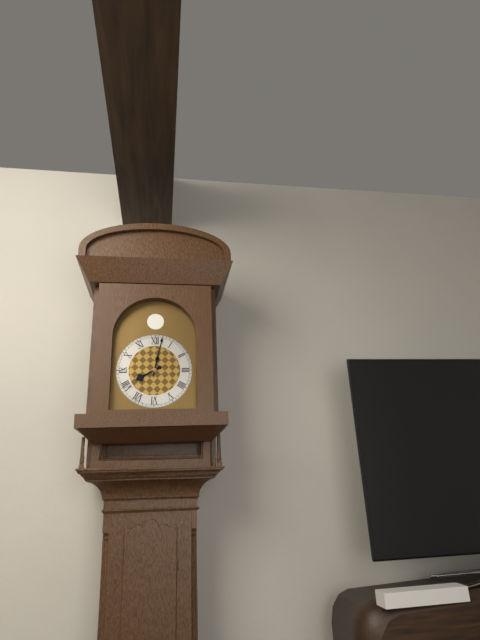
8:02
